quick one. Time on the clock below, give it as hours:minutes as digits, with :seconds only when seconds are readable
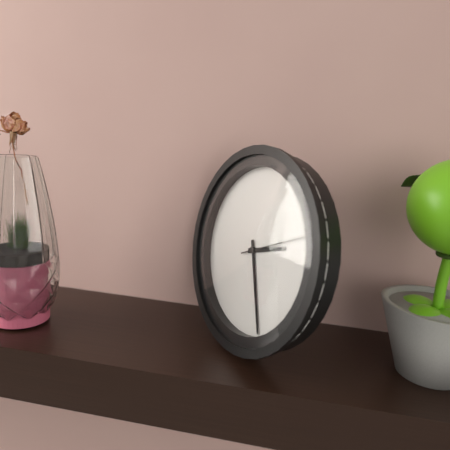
2:26:11
